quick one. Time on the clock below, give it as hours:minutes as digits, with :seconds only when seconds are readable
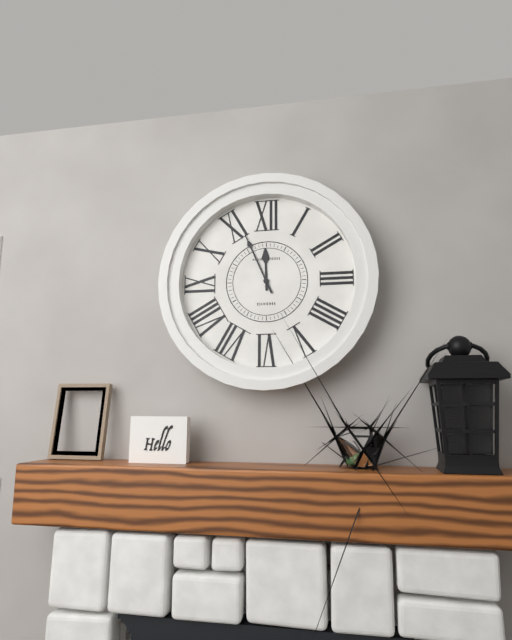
11:56
